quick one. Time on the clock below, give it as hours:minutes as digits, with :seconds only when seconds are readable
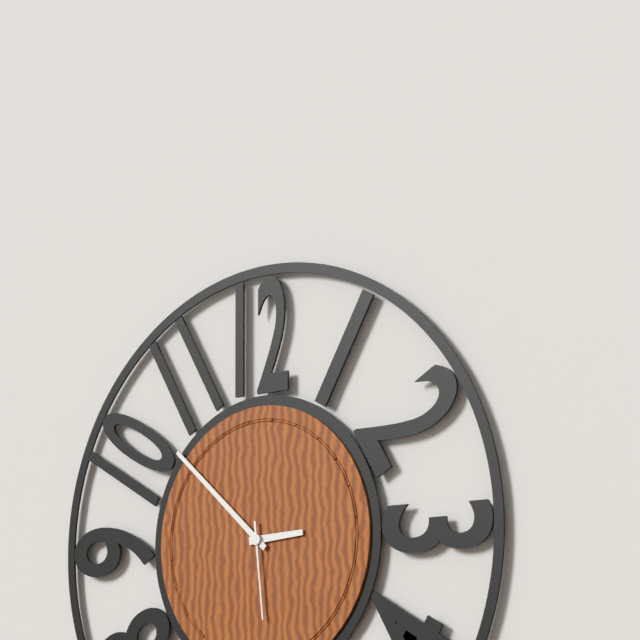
2:52:29
